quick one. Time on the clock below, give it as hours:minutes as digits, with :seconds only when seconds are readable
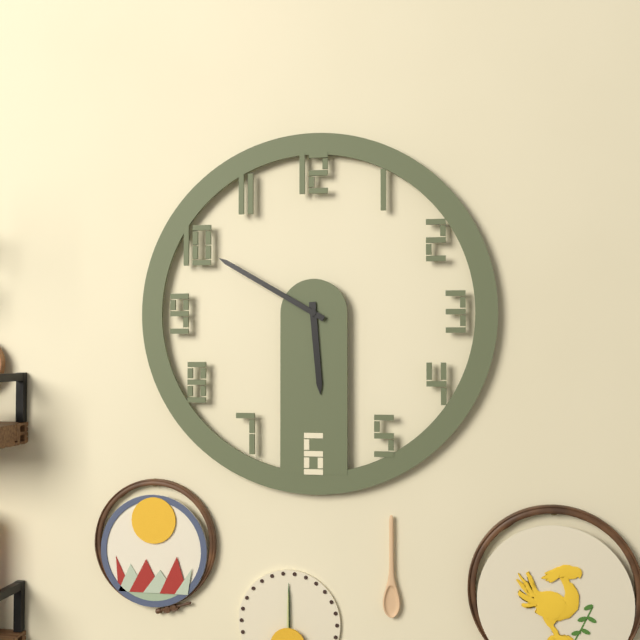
5:50
